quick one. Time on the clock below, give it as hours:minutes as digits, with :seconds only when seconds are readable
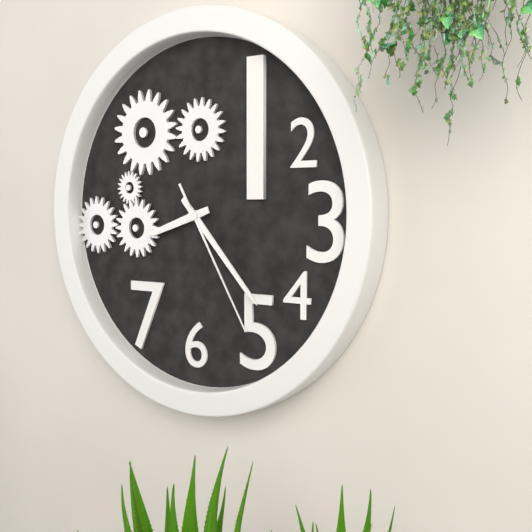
8:23:25
